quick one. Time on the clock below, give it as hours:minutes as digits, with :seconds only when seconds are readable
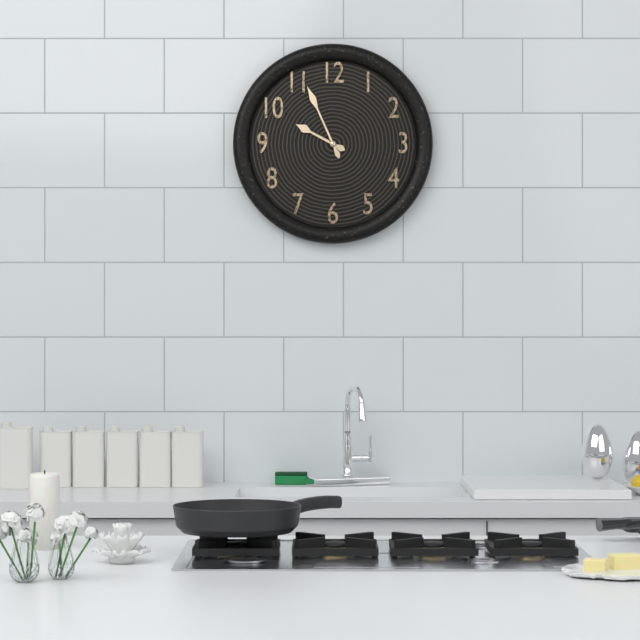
9:56
